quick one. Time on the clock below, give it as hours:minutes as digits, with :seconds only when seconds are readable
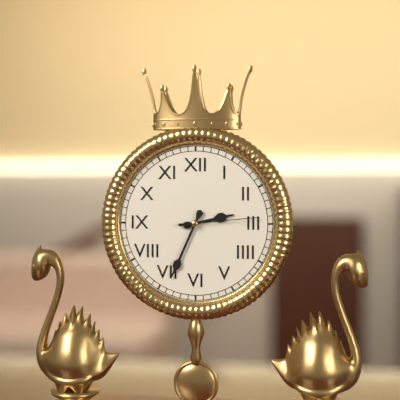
2:34:14
